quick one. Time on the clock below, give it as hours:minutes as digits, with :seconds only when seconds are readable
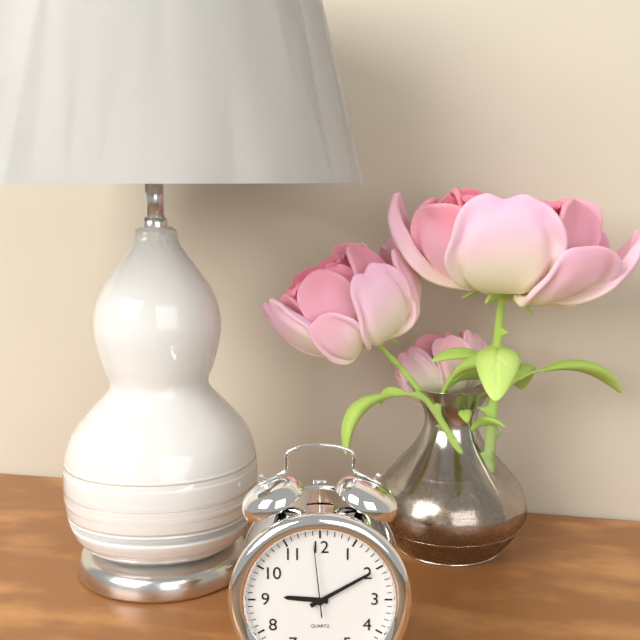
9:10:59
